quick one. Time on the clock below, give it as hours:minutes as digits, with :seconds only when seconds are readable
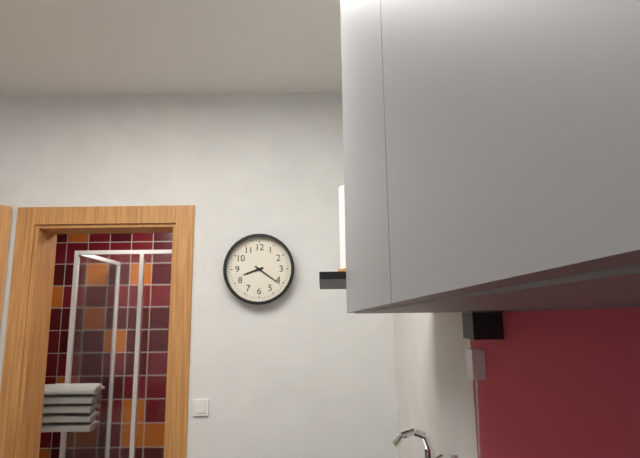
8:21
